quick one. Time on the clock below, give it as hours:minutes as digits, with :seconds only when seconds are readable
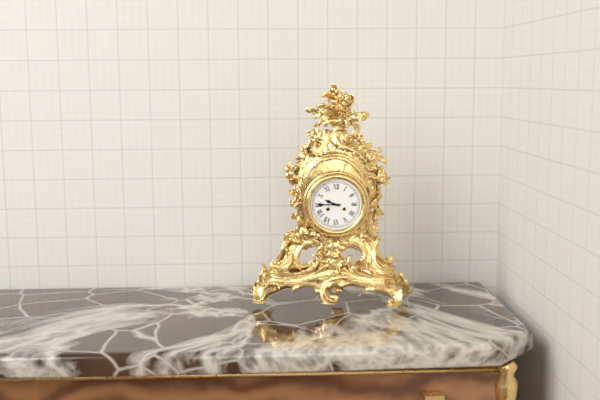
9:45
